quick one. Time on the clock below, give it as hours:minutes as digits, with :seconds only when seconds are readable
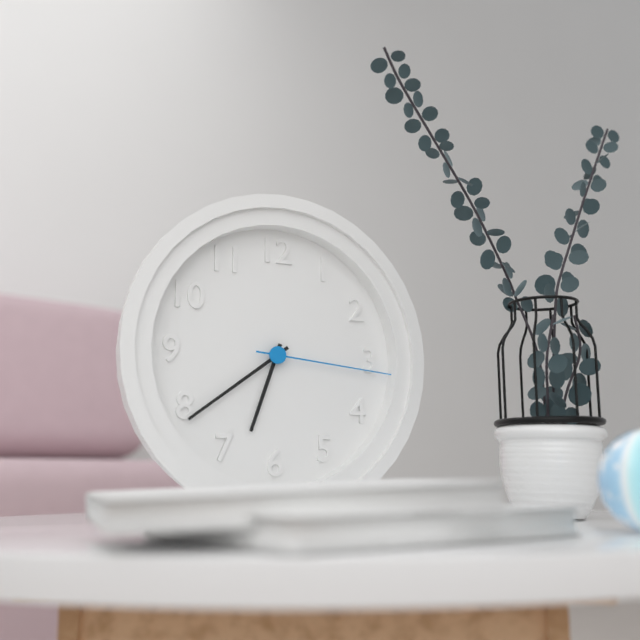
6:39:16
